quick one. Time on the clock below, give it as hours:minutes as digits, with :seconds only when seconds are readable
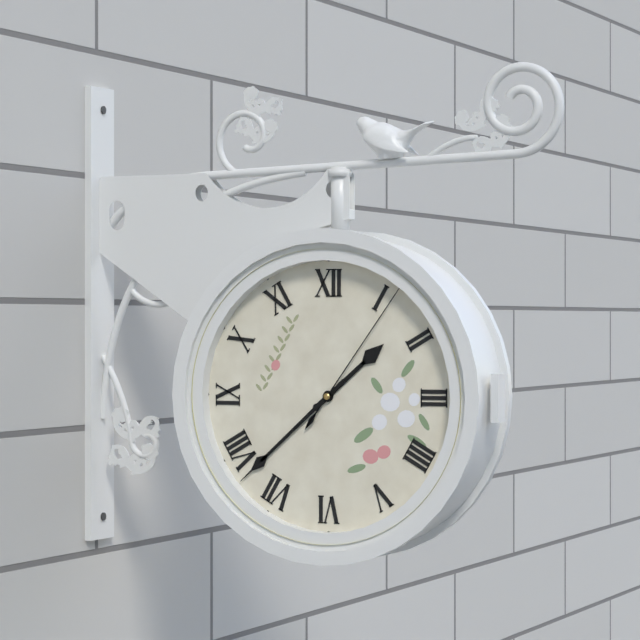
1:38:06
